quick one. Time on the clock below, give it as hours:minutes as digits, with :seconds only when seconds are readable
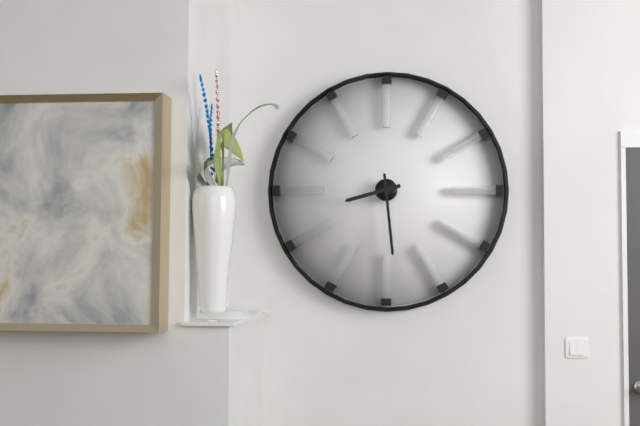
8:29
